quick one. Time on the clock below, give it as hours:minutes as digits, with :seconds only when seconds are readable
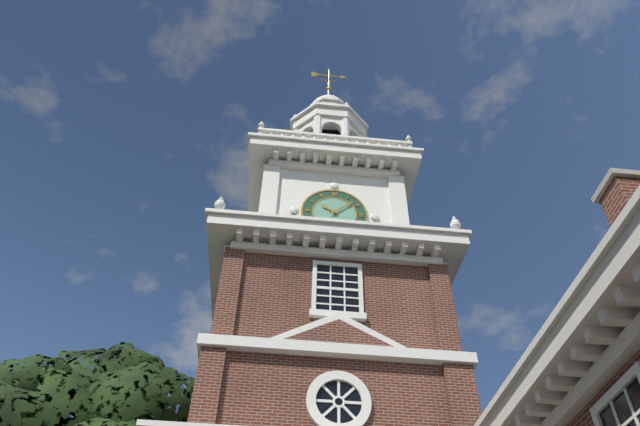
10:08
